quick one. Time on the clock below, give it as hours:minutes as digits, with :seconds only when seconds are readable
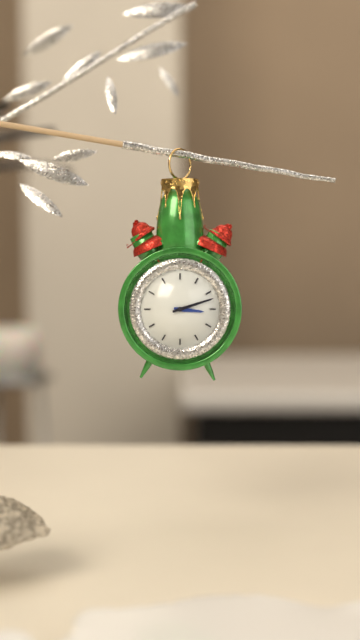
3:12
